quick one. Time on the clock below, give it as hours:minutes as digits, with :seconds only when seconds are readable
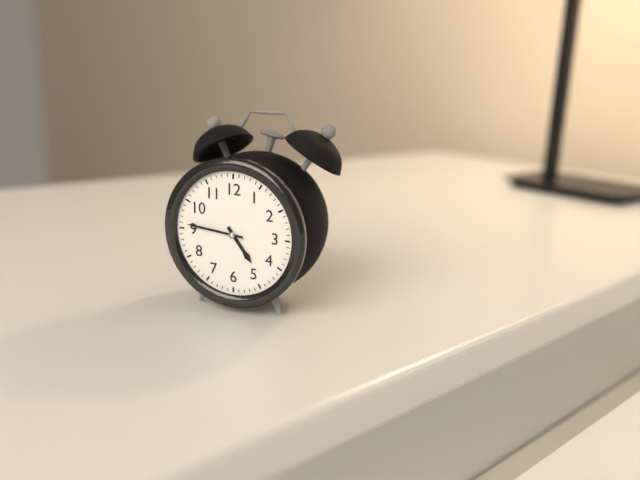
4:46
